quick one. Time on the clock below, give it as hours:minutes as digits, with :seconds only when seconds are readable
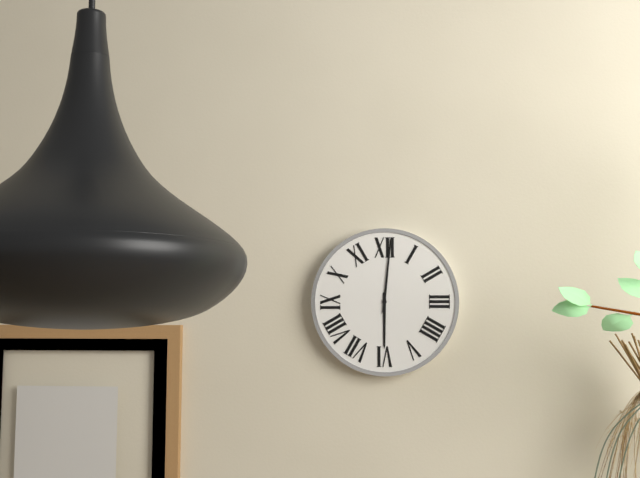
6:01
